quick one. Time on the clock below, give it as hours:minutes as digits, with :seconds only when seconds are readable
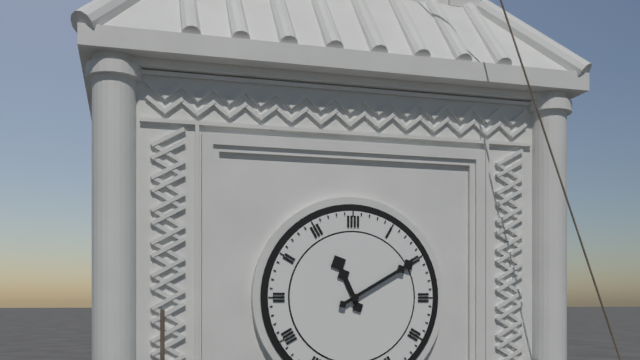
11:10
